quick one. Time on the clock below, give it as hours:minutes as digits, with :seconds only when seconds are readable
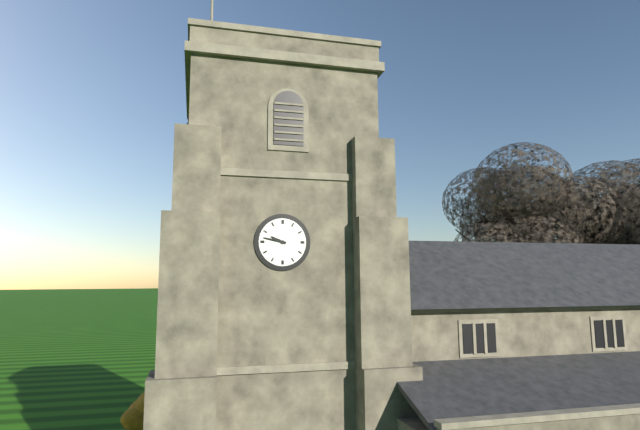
9:47
